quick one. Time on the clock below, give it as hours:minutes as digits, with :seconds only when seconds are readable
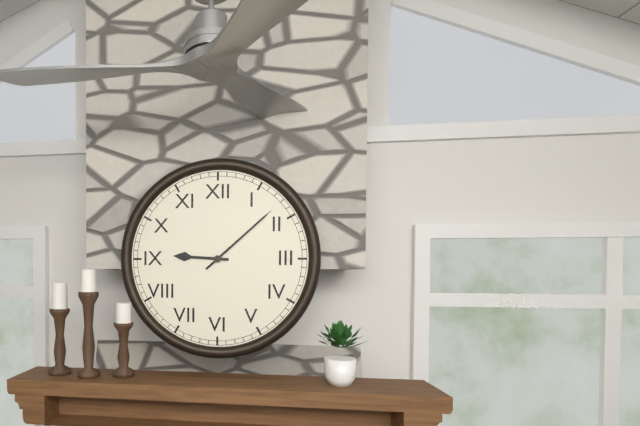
9:08
